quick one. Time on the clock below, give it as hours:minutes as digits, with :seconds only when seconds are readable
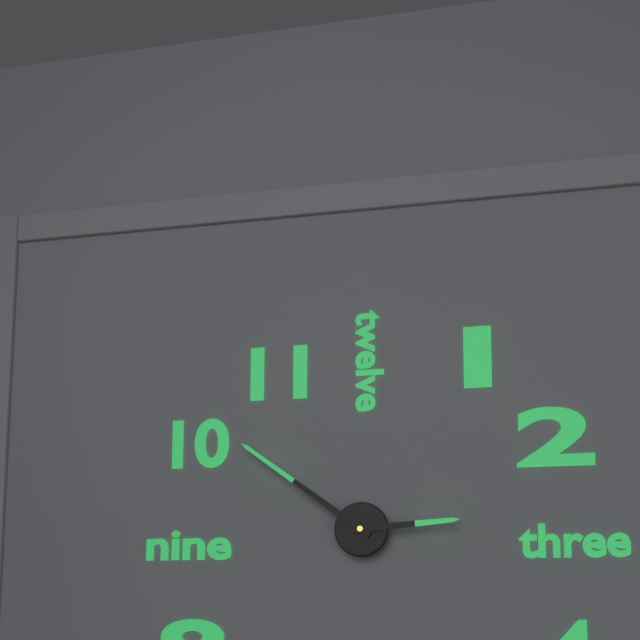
2:51
